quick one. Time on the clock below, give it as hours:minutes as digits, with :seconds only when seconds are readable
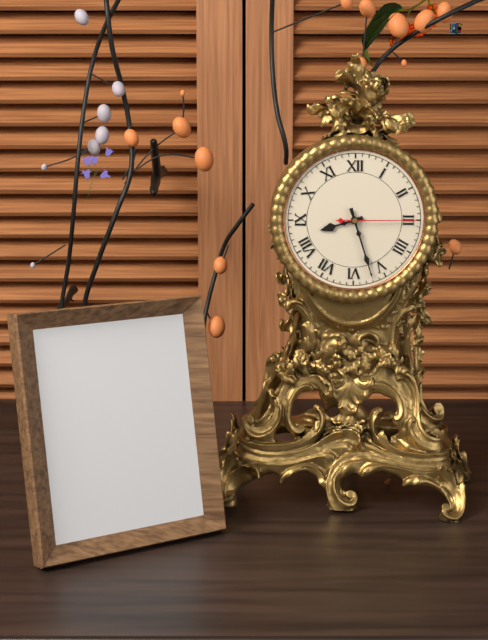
8:27:15
